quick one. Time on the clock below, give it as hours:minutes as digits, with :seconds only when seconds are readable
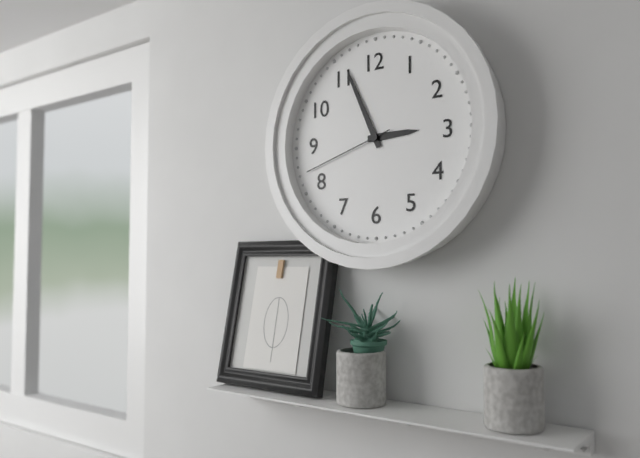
2:56:42
